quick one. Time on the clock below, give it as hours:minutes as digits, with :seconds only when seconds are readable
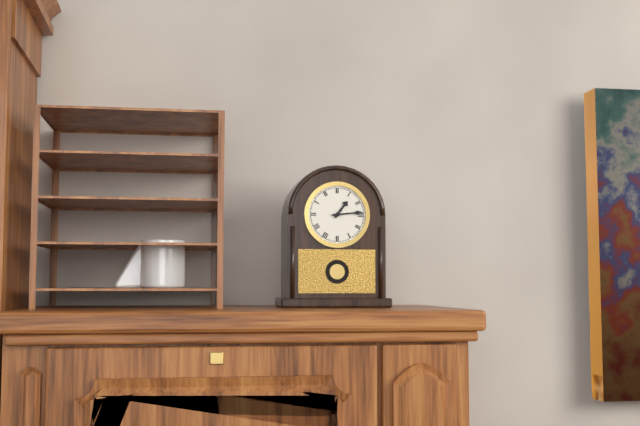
1:14
